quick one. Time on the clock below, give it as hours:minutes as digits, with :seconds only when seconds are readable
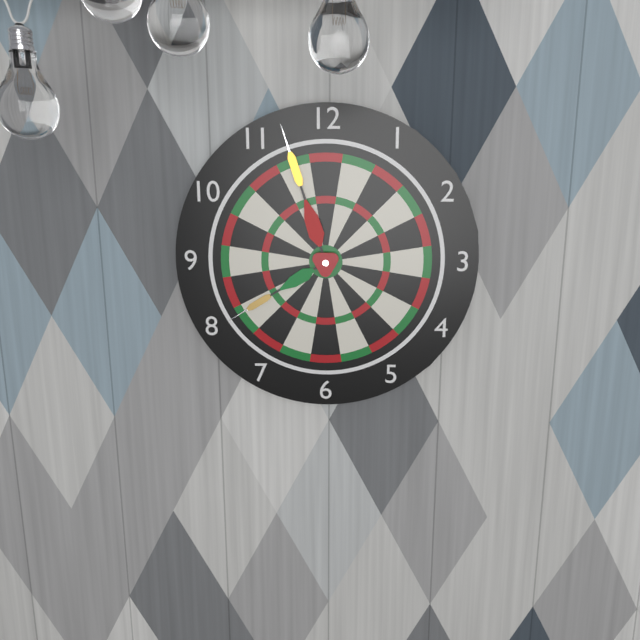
7:57
